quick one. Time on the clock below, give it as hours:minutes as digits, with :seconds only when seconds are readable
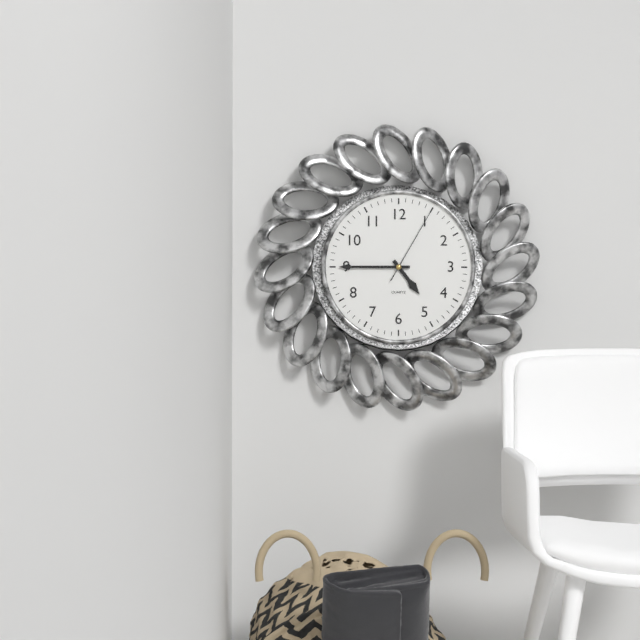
4:45:05
